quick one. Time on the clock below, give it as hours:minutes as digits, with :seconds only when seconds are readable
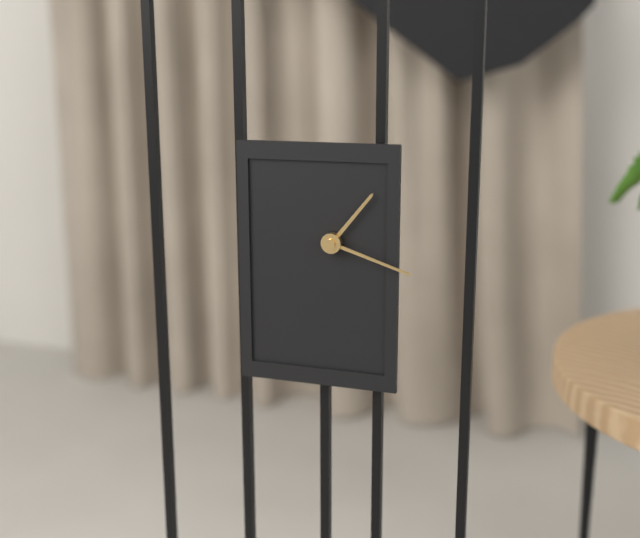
1:18
